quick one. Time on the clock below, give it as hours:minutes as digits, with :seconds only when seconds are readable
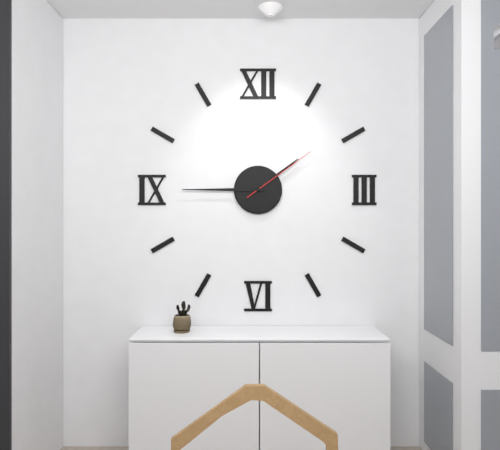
1:45:09
